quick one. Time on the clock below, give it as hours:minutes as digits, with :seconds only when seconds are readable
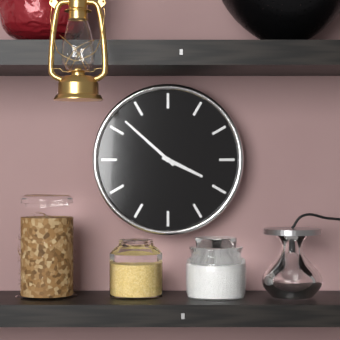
3:52
